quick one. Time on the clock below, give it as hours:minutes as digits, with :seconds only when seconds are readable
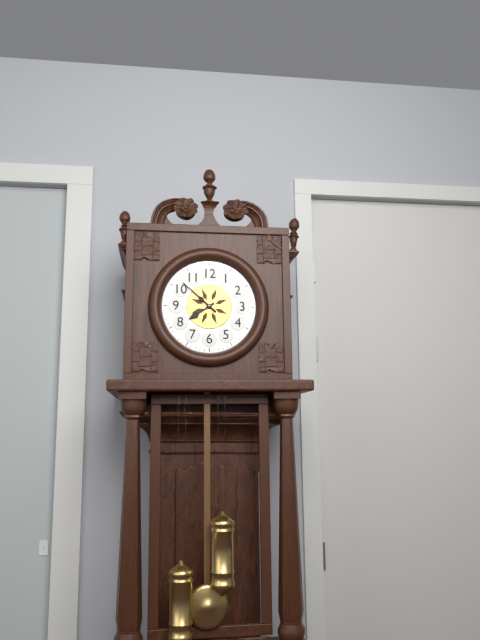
7:52
